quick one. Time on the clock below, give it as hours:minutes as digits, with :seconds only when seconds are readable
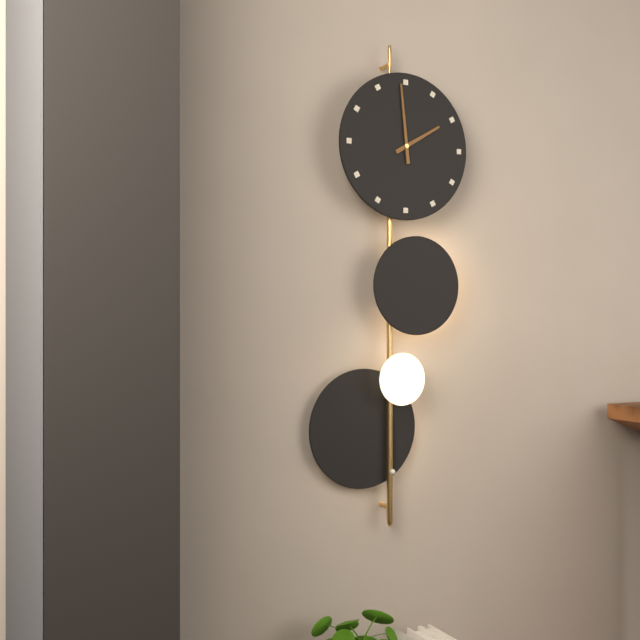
1:59
